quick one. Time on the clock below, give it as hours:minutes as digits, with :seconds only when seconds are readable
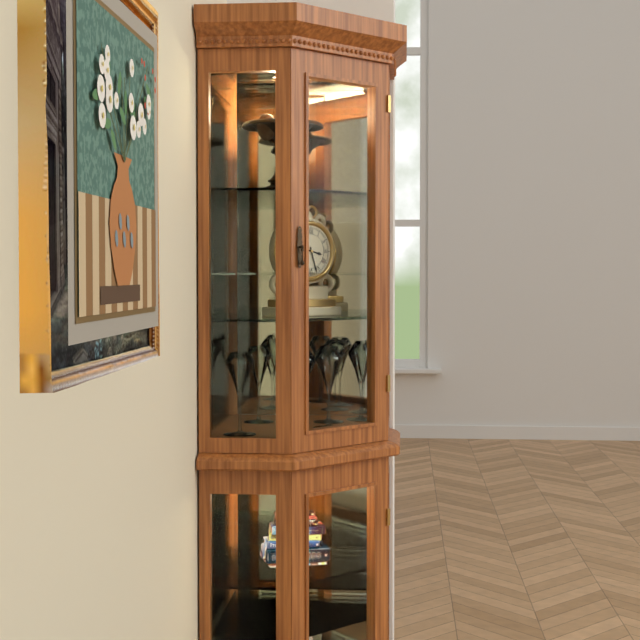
3:27
